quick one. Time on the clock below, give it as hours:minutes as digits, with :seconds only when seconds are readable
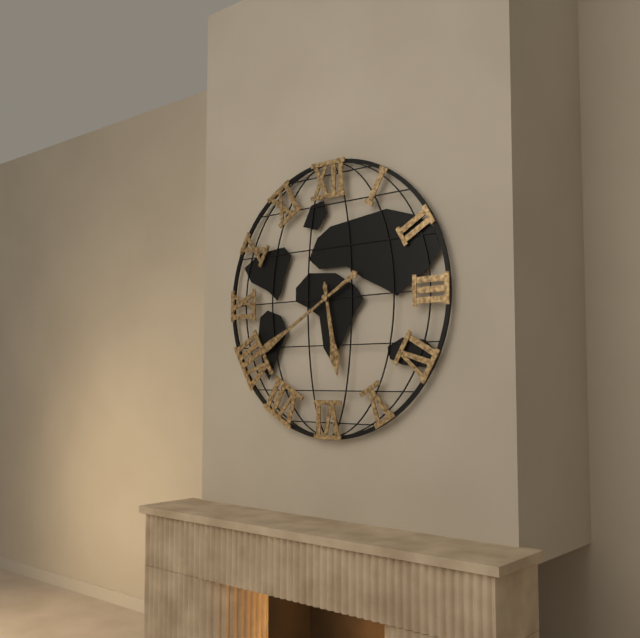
5:40
